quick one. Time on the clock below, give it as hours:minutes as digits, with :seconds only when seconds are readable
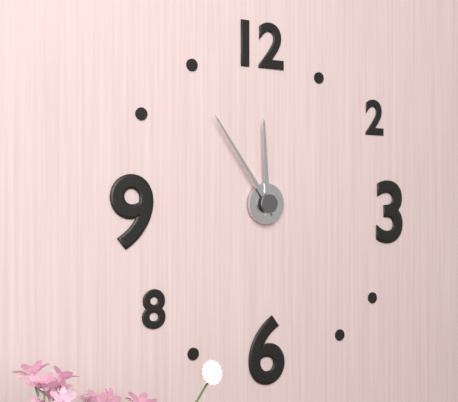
11:54
